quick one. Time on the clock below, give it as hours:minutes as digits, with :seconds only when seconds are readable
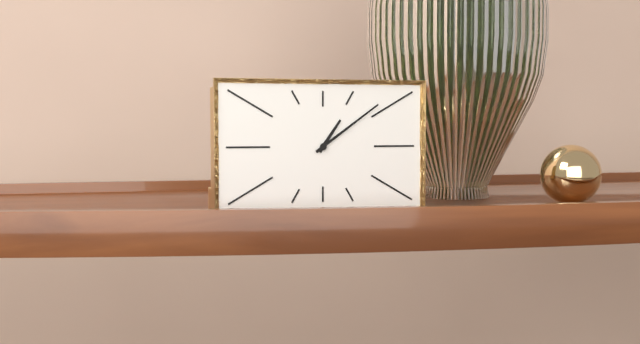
1:09
